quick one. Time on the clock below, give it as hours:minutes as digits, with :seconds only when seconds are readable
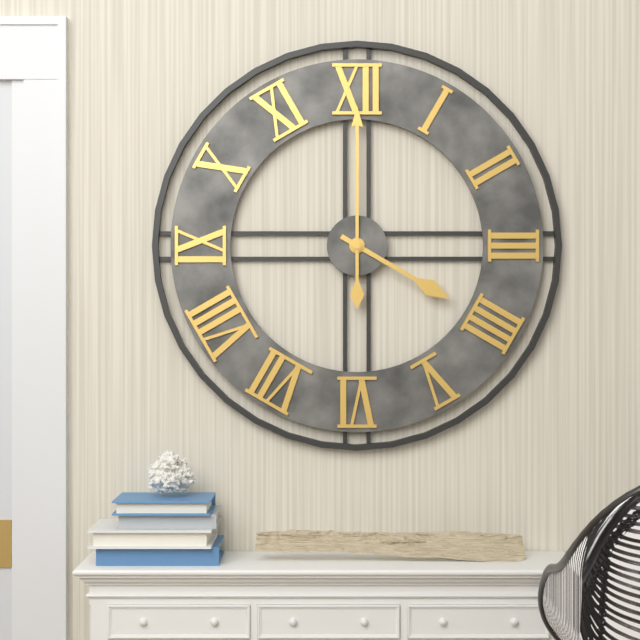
4:00
